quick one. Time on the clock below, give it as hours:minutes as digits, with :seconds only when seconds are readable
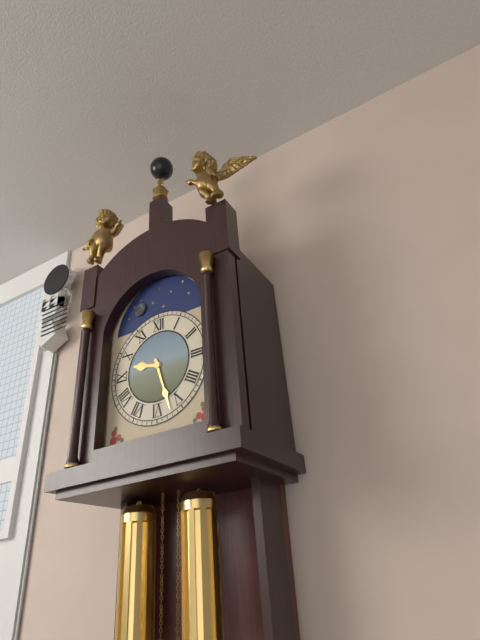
9:27
